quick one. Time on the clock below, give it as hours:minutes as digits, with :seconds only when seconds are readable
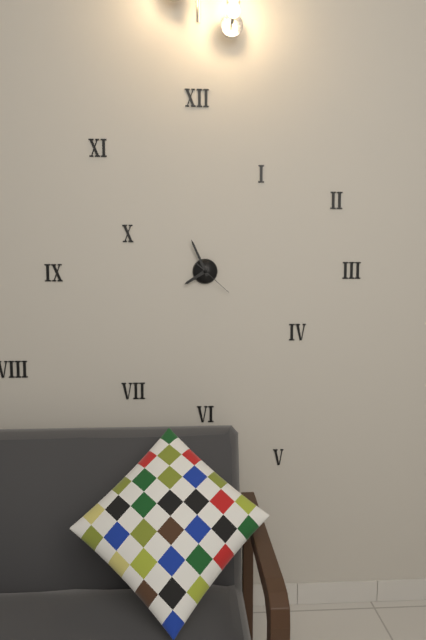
7:56
